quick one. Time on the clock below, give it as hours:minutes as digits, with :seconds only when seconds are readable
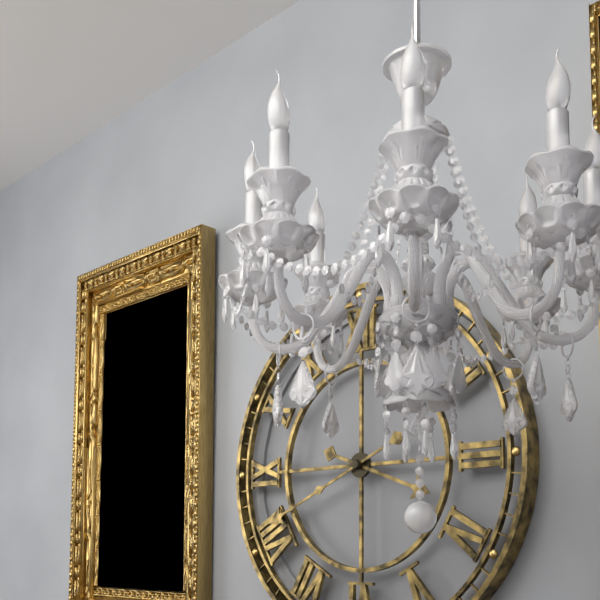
3:41
